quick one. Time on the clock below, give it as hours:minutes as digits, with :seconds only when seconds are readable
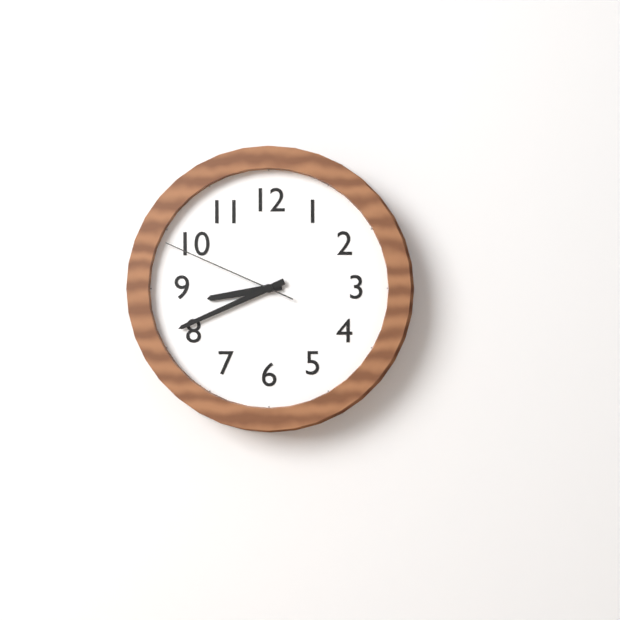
8:41:49
